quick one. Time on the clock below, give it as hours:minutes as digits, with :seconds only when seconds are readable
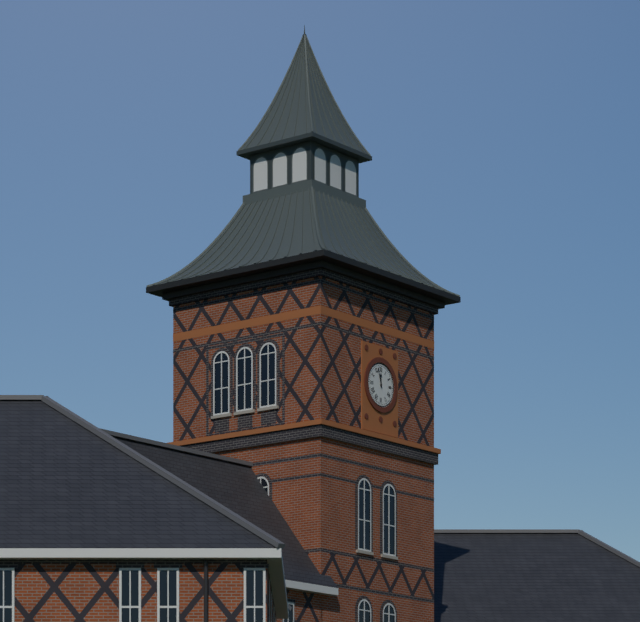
11:57
